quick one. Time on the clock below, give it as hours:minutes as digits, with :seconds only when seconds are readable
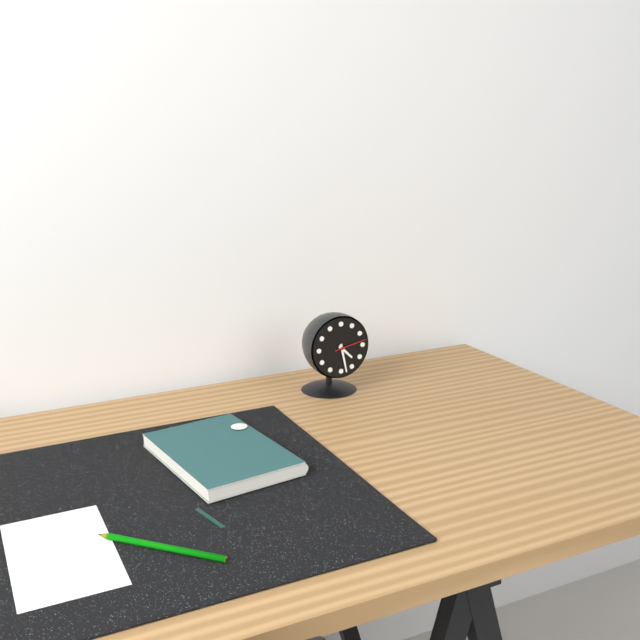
4:28
